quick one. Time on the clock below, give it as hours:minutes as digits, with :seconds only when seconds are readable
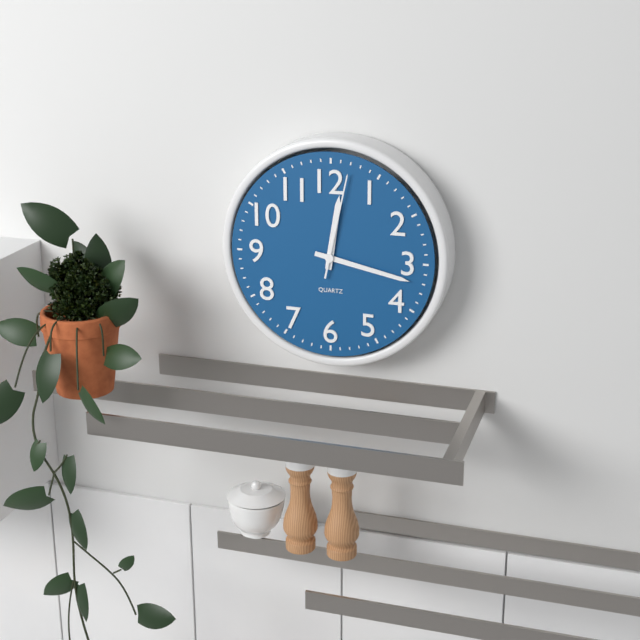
12:17:02
